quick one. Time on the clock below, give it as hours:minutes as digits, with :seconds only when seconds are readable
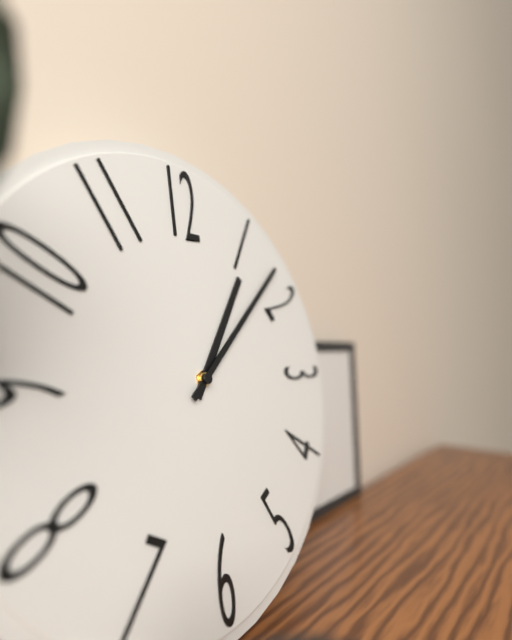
1:08
